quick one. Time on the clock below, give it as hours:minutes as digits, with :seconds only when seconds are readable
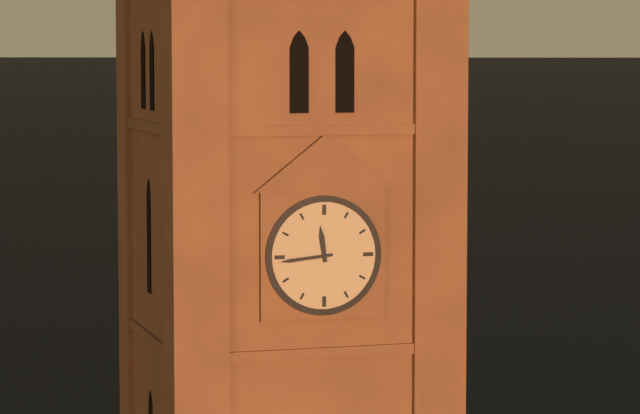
11:44
